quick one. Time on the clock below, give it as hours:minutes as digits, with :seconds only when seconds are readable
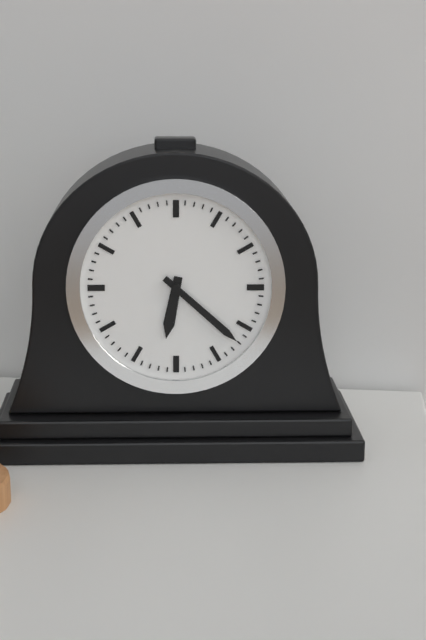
6:22
